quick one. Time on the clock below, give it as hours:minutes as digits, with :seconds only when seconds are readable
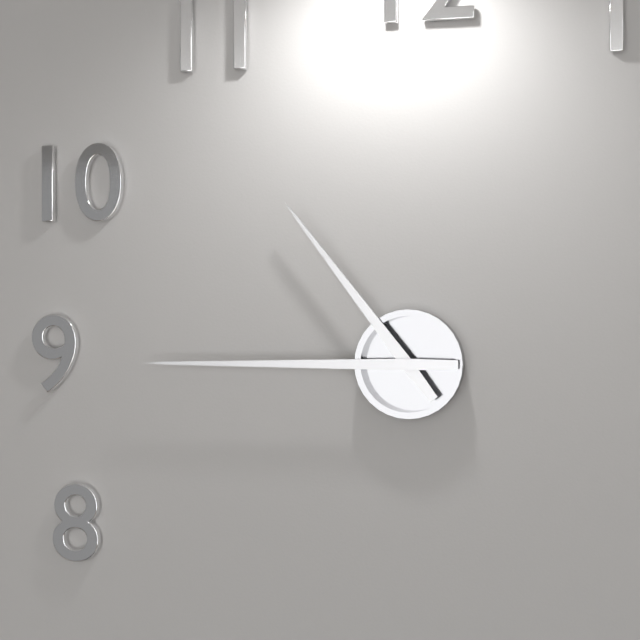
10:45
